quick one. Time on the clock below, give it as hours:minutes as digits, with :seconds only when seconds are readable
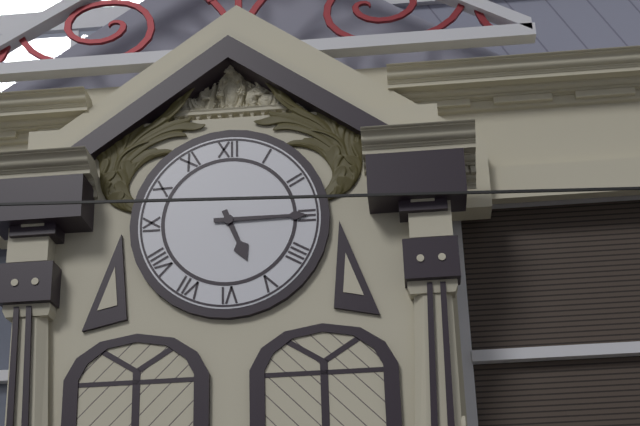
5:15
